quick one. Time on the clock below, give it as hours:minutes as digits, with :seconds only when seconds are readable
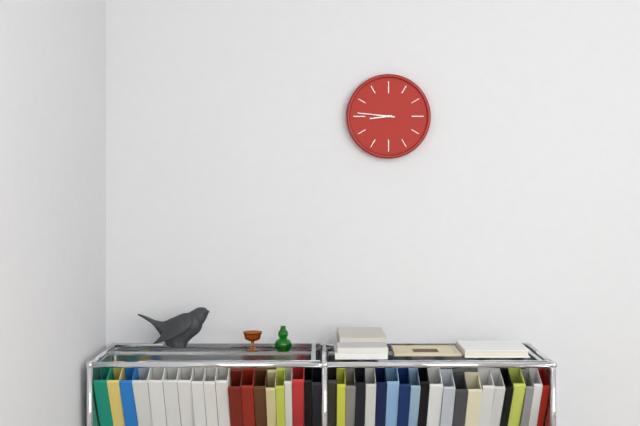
8:46
